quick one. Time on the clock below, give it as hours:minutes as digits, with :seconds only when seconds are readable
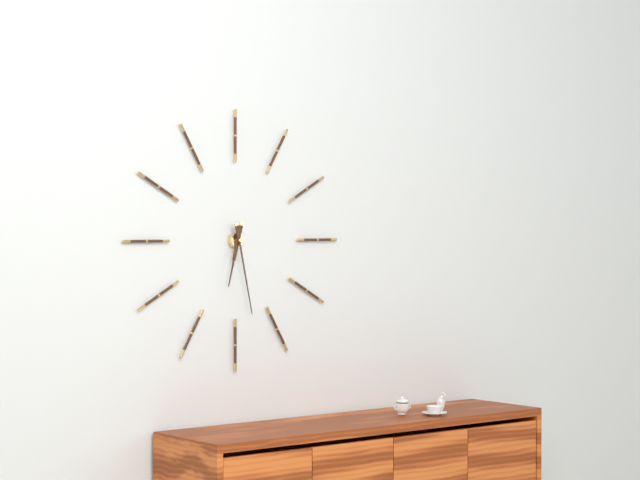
6:28
